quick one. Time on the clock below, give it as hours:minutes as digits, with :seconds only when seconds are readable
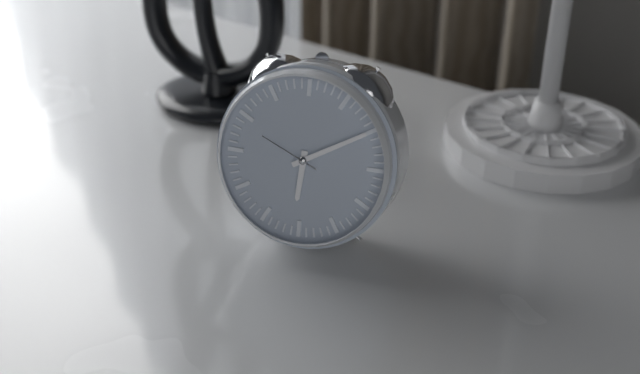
6:10:49
